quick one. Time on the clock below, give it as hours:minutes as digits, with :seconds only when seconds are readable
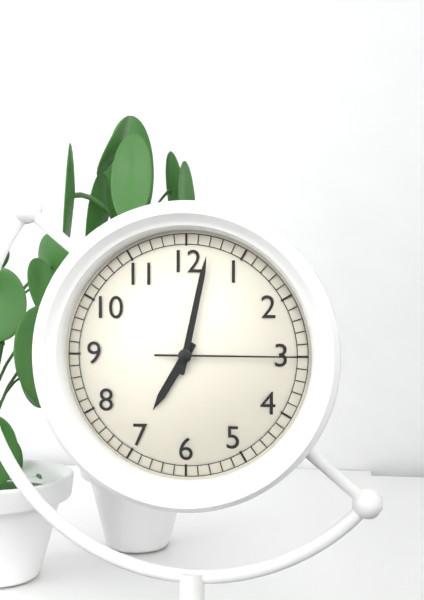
7:02:15
